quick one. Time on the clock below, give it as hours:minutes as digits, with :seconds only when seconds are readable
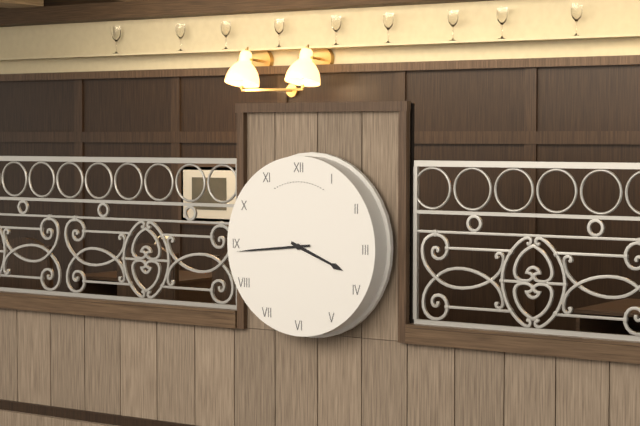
3:44
